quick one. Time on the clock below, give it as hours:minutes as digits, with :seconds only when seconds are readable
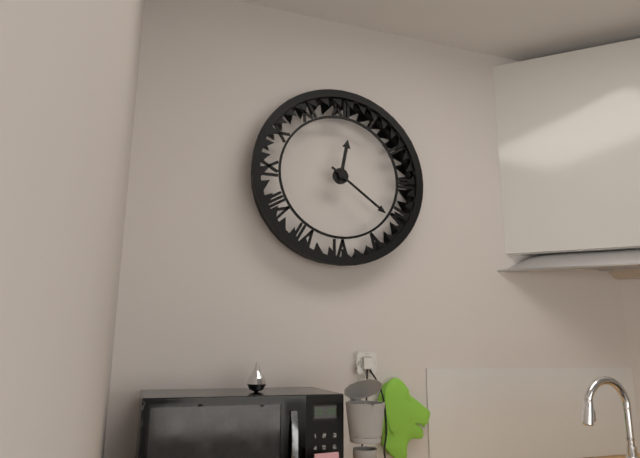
12:21
